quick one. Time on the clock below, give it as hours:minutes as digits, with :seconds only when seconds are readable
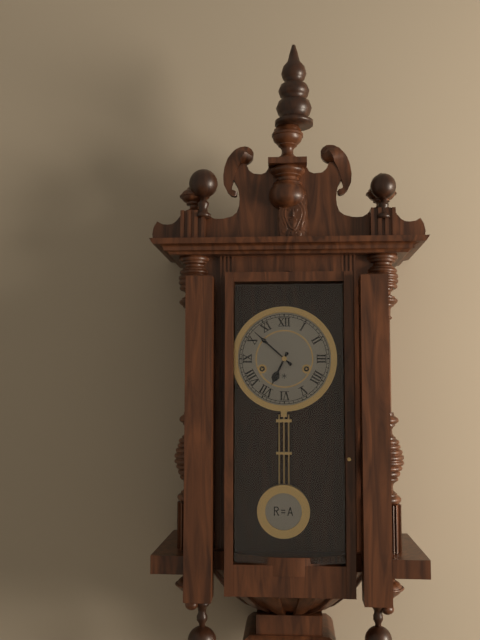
6:52
